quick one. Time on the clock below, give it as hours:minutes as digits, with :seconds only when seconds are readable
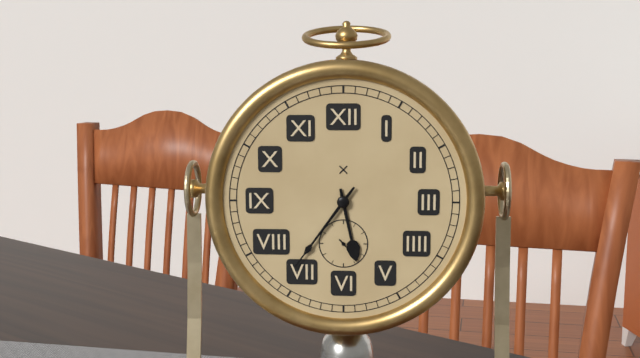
5:36
